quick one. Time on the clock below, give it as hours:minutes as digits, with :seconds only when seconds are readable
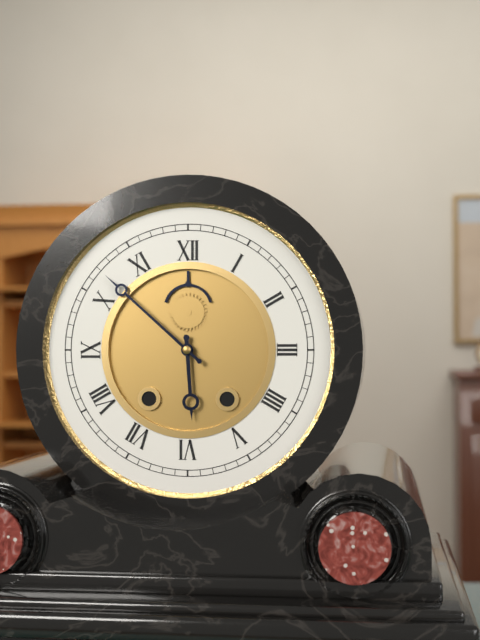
5:52
